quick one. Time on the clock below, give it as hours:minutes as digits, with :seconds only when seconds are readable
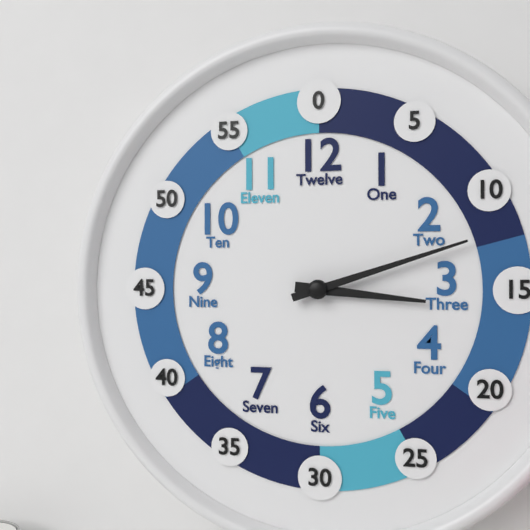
3:12
